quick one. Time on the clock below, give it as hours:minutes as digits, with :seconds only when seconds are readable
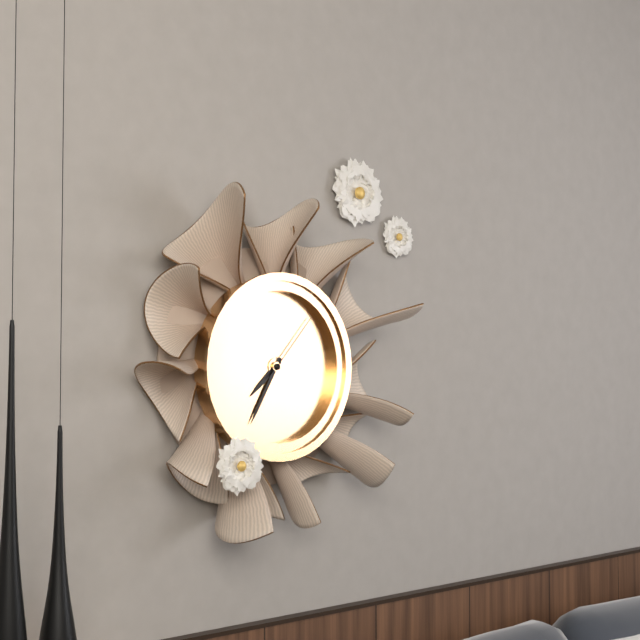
7:35:07
